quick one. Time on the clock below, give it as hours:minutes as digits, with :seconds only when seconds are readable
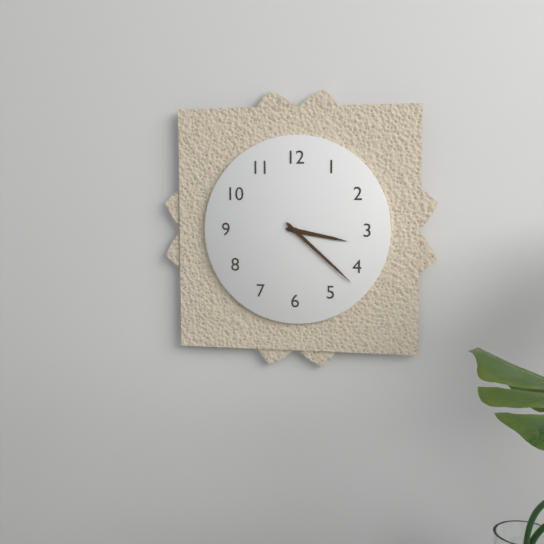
3:22
